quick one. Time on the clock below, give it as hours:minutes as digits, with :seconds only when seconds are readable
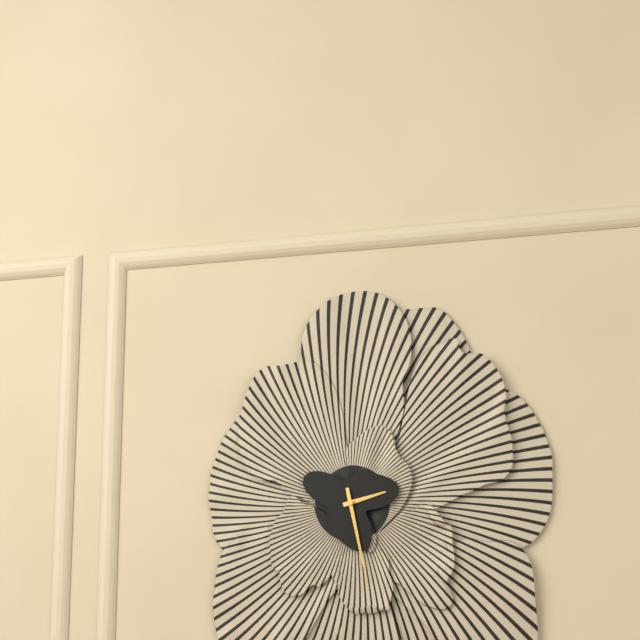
2:28
